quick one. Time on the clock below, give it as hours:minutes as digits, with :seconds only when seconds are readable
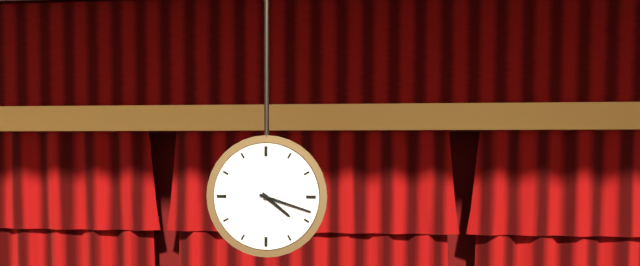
4:18
